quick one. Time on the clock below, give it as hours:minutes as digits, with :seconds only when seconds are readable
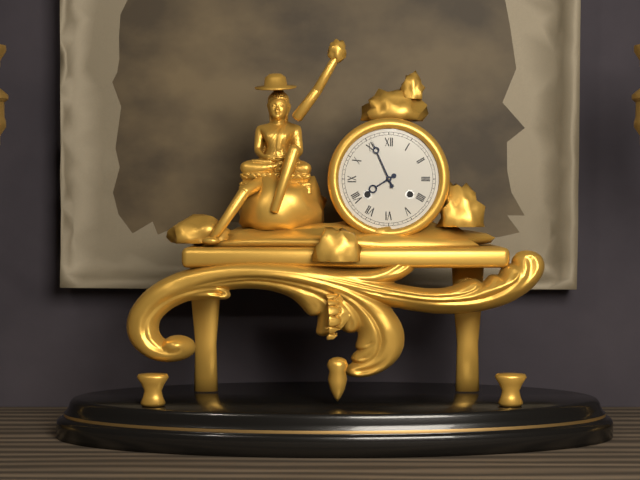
7:56
